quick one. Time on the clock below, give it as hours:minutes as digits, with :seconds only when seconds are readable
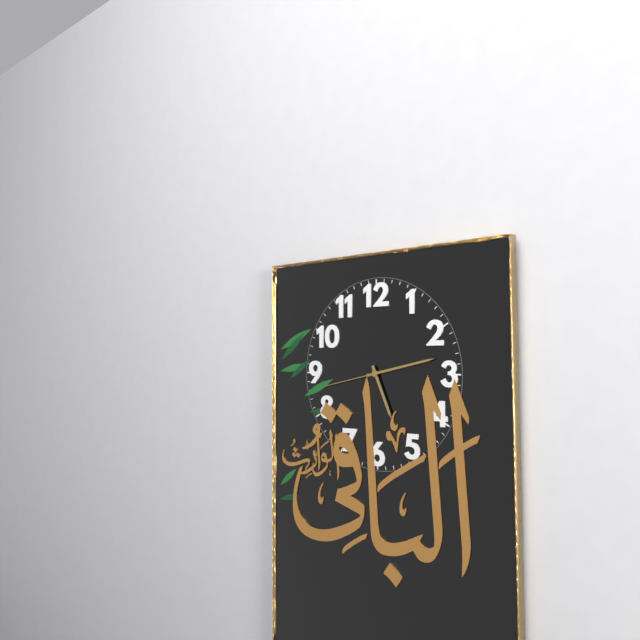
5:13:43
